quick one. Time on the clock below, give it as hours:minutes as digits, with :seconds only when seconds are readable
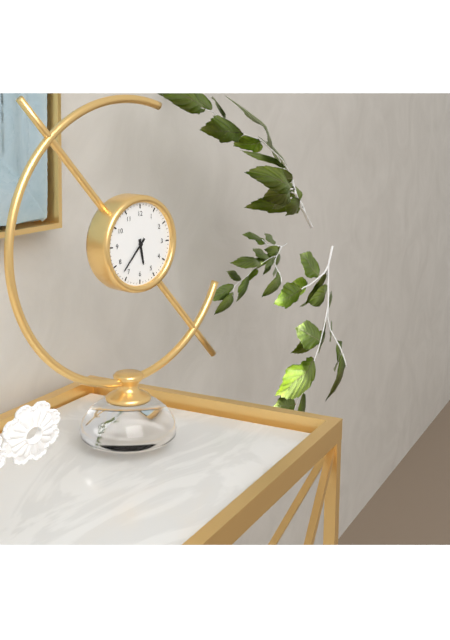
5:37
